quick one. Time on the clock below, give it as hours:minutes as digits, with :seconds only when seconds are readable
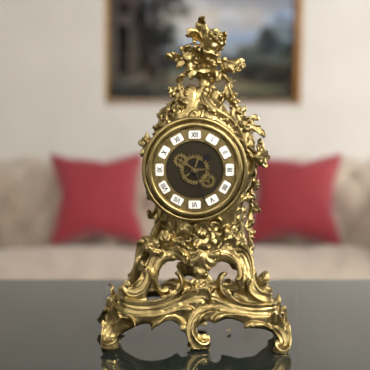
1:27
